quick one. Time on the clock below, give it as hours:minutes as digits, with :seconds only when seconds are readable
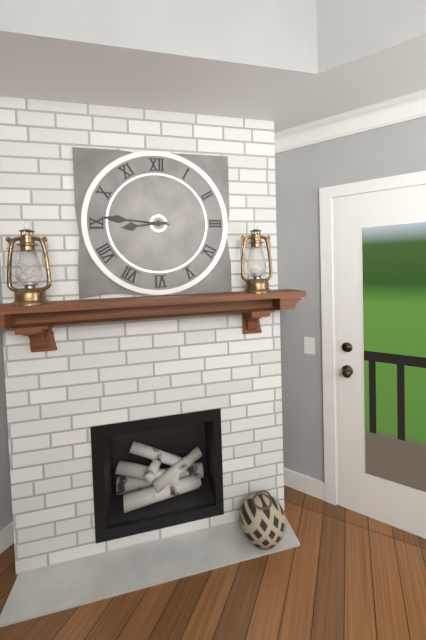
8:46
